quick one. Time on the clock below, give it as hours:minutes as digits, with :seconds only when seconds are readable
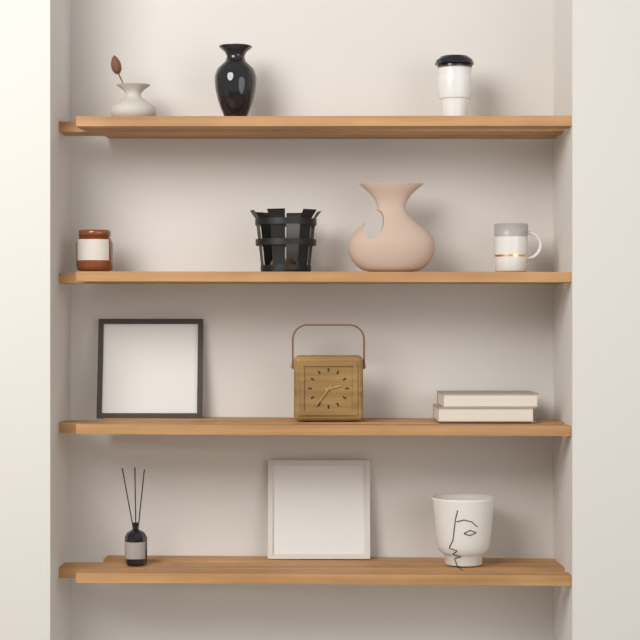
2:36
